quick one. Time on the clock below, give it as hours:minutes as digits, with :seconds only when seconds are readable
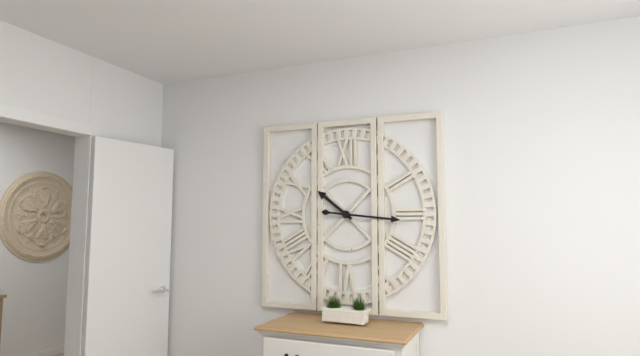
10:16
